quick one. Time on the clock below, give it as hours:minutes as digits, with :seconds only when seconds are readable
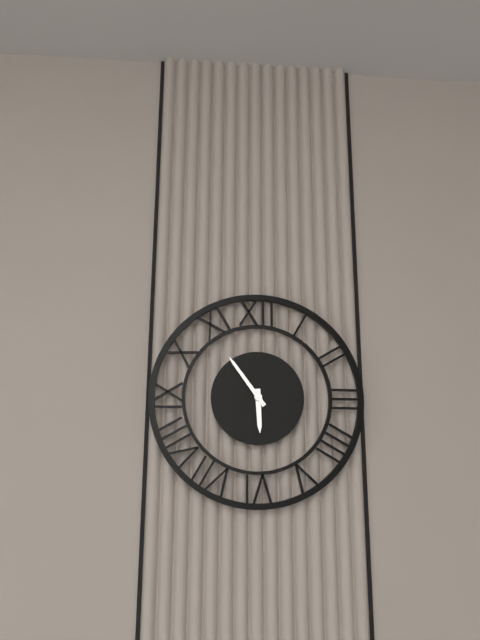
5:54
